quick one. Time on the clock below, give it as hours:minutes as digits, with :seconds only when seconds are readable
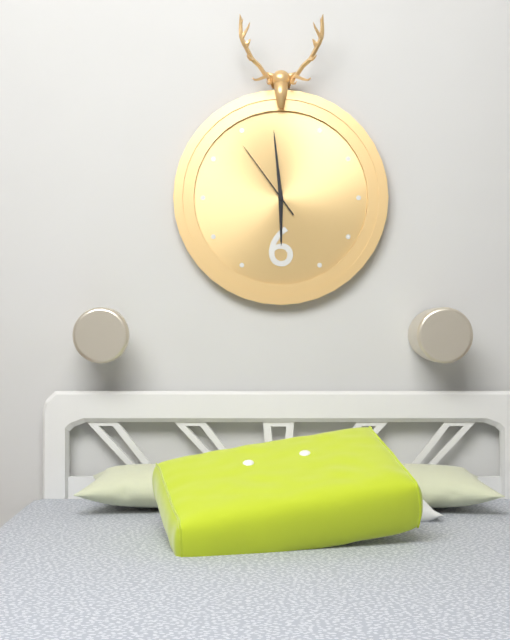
5:59:54
